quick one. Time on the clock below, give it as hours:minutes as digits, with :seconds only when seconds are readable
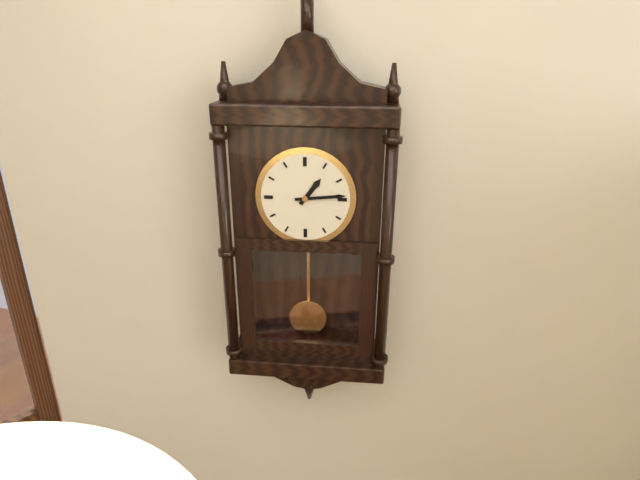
1:14
